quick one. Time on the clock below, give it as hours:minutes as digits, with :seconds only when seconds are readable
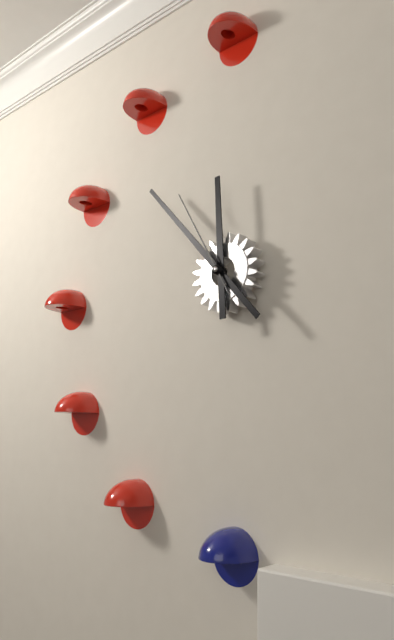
11:53:55
